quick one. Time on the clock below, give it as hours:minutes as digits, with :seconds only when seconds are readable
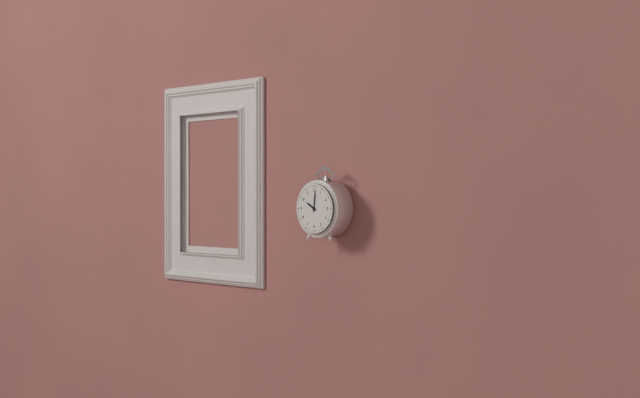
10:01
